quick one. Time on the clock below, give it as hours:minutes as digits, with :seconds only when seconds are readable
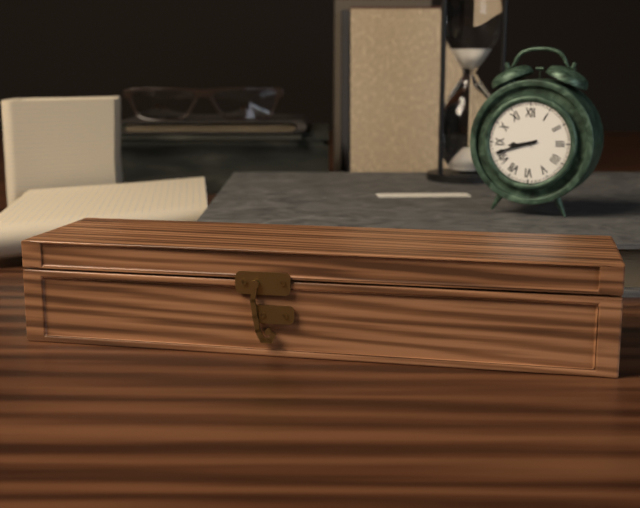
8:42
